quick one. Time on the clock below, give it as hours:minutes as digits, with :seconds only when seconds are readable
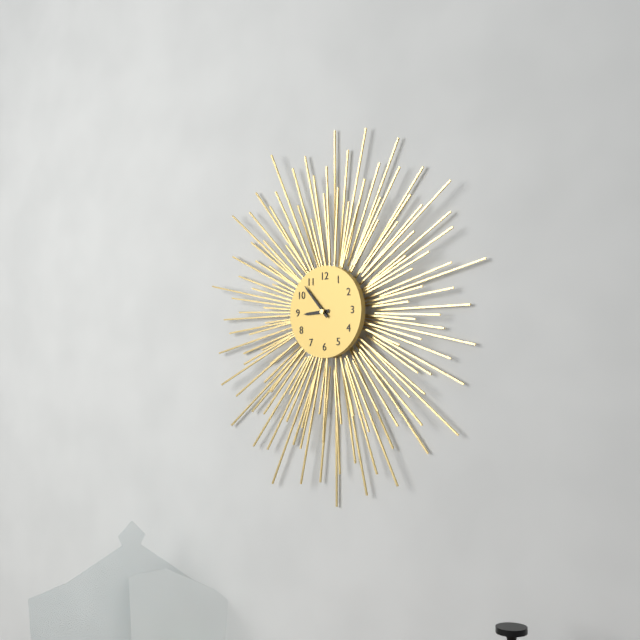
8:53
